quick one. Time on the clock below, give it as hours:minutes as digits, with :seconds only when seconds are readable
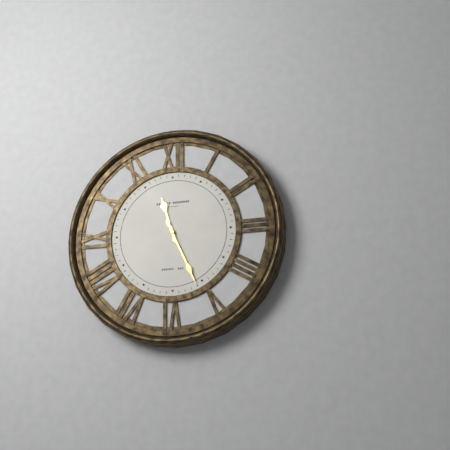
11:26
